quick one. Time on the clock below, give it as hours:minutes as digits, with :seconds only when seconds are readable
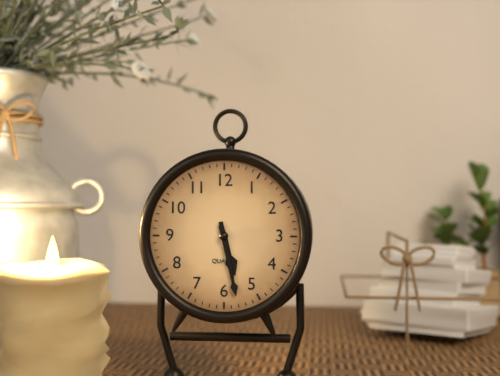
5:28
